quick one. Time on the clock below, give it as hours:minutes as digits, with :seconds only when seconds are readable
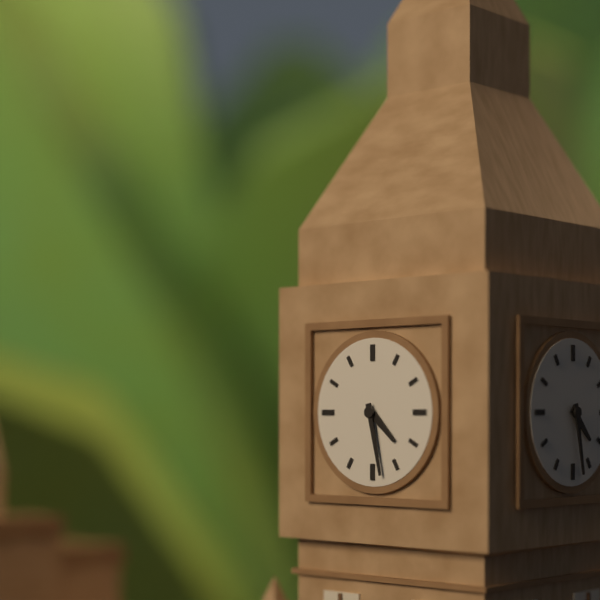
4:28
